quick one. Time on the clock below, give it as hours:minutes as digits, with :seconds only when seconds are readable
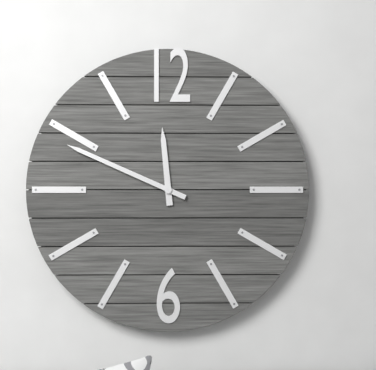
11:49
